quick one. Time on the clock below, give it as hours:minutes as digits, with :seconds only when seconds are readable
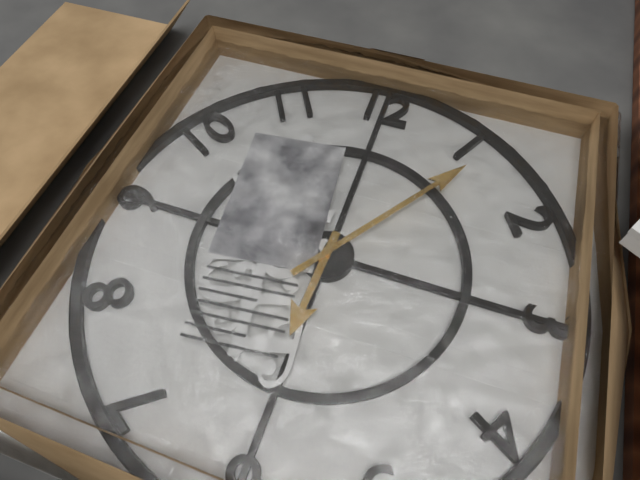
6:06
